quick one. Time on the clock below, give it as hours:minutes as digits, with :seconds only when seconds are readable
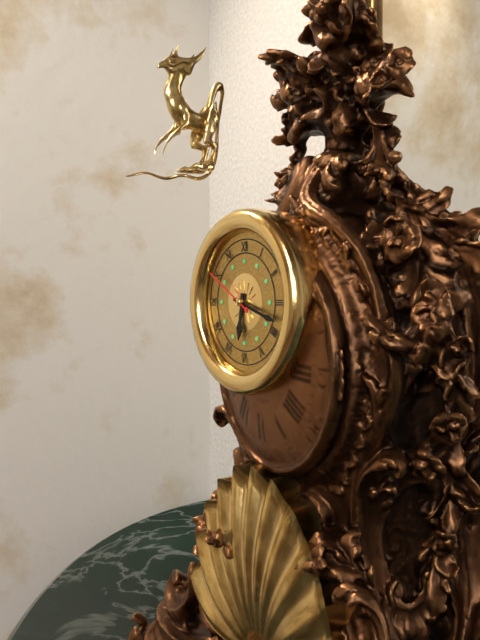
6:18:50
